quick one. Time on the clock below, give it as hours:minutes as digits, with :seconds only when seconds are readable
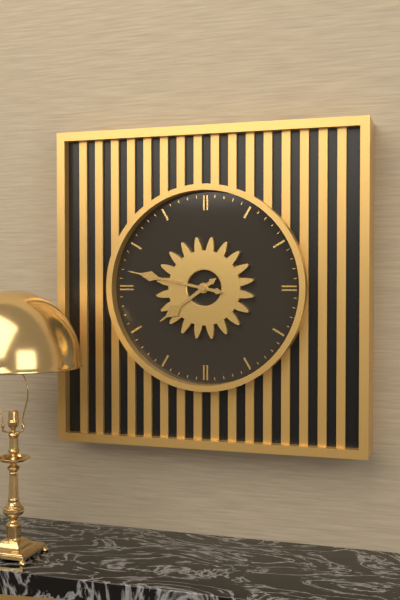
7:47
